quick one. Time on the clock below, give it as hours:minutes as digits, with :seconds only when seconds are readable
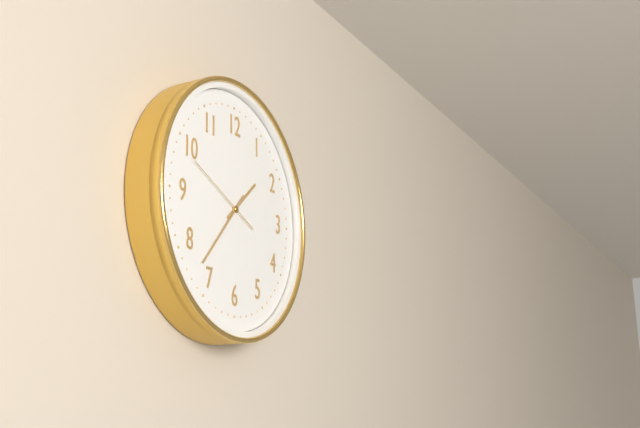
1:37:49
